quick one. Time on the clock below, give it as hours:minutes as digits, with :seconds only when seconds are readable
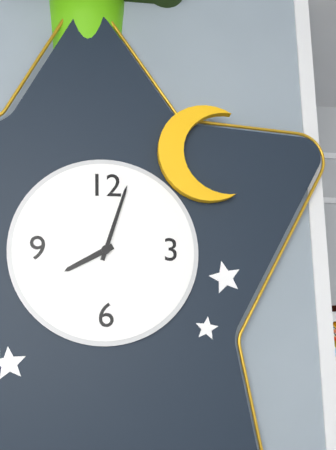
8:03
